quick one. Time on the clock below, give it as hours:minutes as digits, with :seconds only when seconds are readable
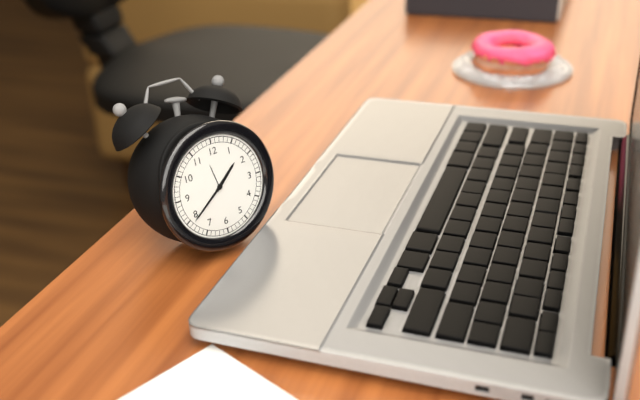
1:39
